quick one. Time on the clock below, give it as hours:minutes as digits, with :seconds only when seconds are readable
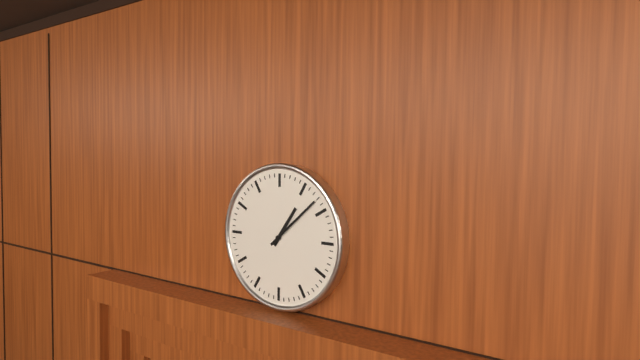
1:08
